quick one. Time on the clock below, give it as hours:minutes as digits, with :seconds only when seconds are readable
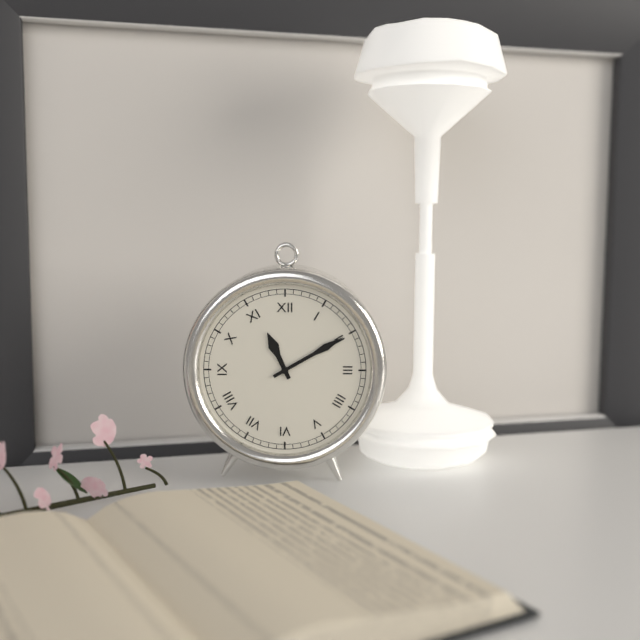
11:10
